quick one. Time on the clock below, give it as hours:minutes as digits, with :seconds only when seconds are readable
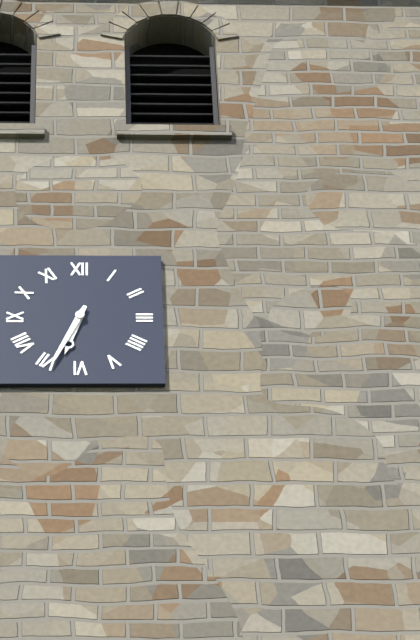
6:34
